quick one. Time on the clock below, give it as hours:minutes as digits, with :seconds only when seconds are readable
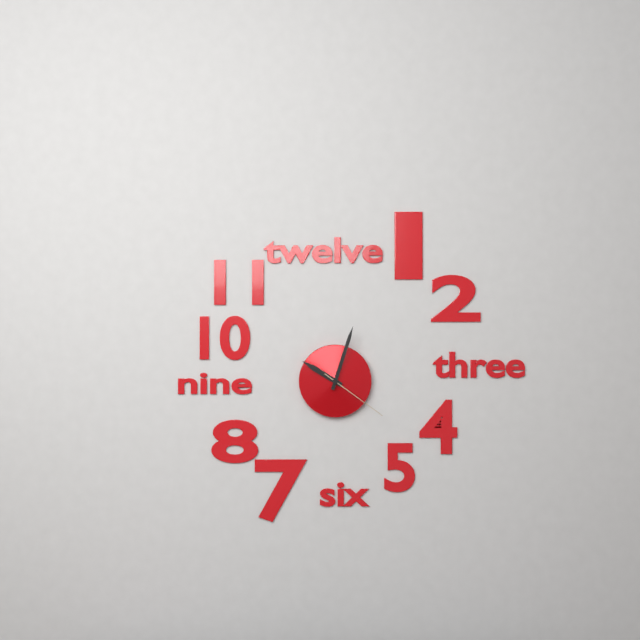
10:03:21
